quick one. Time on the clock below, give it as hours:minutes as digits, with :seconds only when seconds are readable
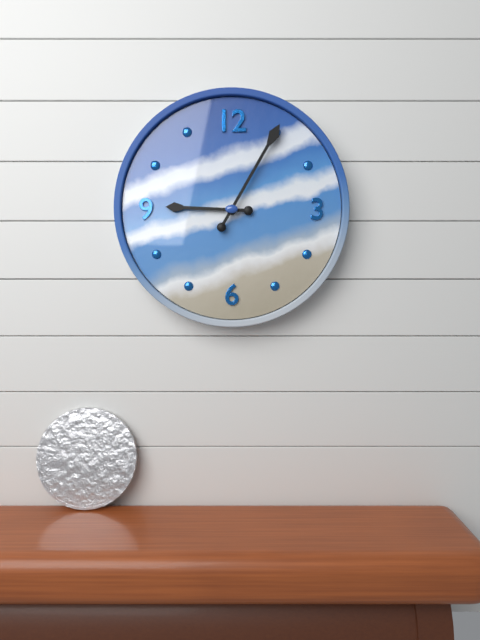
9:05
